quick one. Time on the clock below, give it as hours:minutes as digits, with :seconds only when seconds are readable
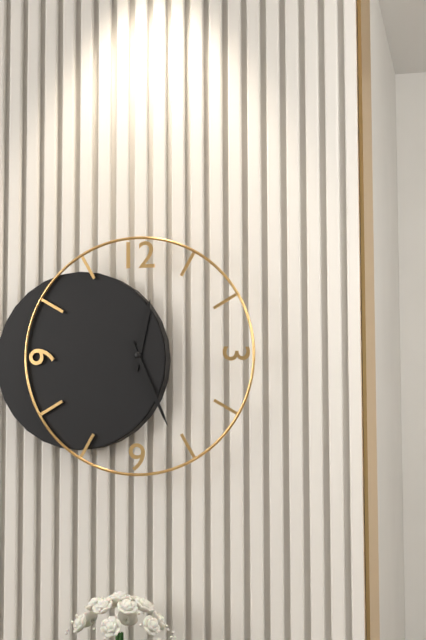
12:26
